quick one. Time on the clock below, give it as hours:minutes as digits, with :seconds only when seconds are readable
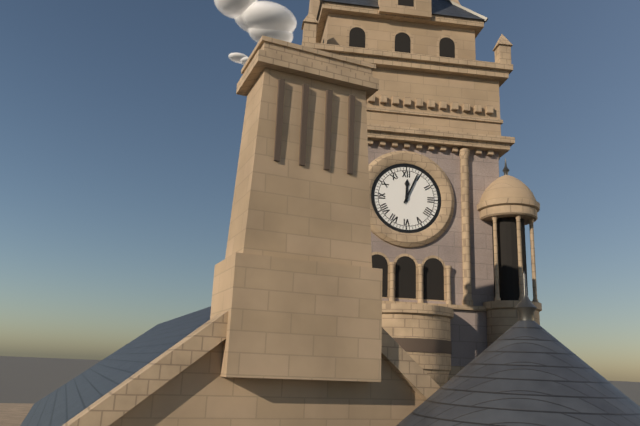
12:04
